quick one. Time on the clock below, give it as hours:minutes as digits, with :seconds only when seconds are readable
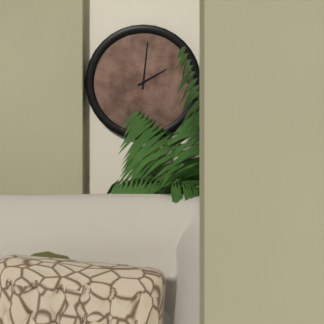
2:01
